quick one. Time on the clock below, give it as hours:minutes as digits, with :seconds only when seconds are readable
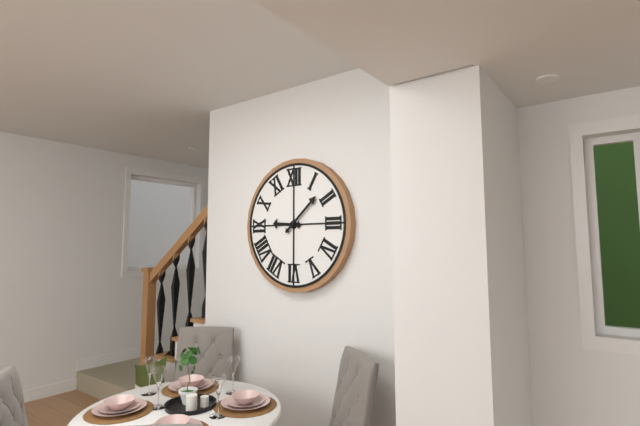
9:08
